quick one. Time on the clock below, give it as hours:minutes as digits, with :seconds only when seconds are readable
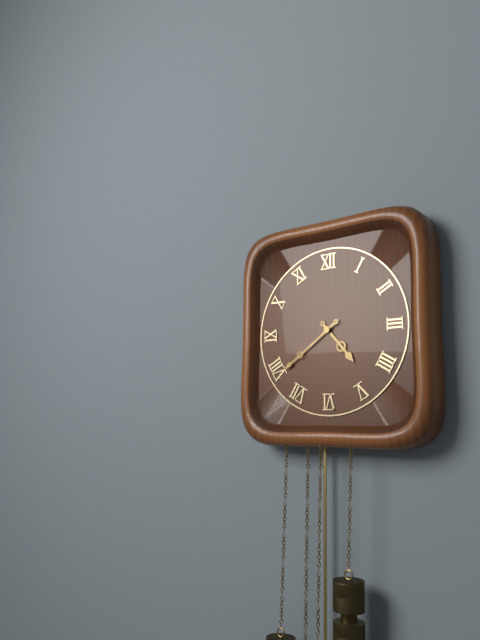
4:39
